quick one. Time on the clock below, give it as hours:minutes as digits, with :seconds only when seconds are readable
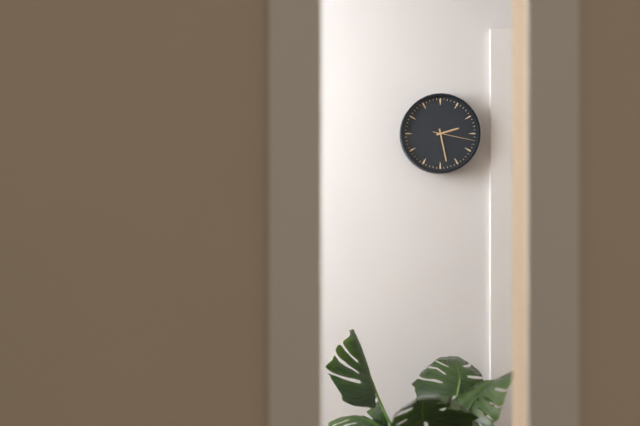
2:28
